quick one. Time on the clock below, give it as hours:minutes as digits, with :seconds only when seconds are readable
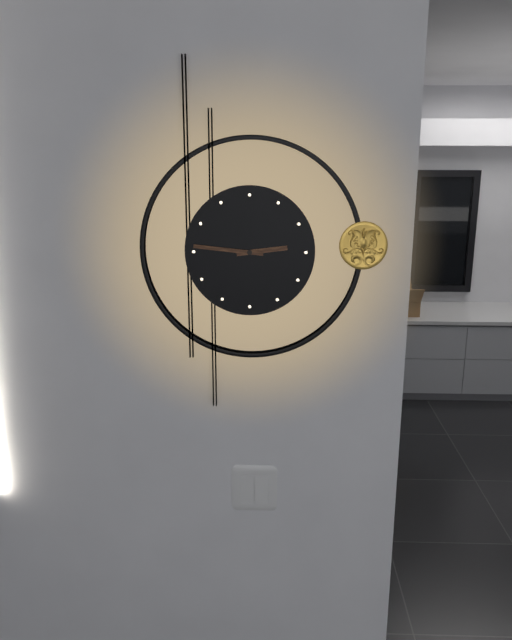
2:46
